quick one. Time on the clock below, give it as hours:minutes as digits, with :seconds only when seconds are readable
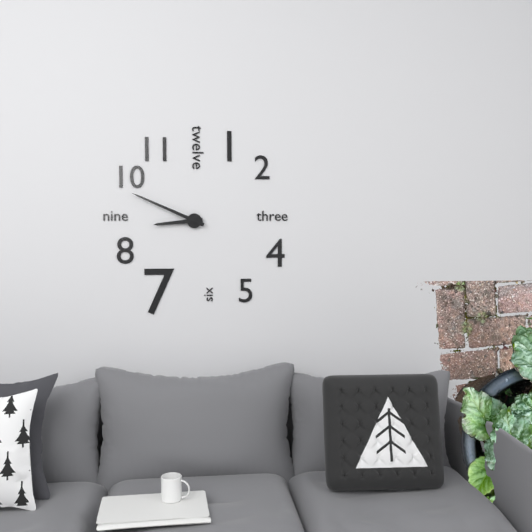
8:49
